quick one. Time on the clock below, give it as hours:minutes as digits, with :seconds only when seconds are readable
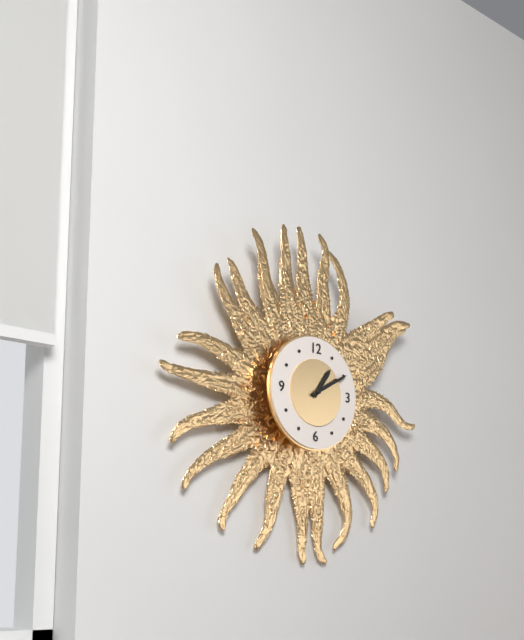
1:10
